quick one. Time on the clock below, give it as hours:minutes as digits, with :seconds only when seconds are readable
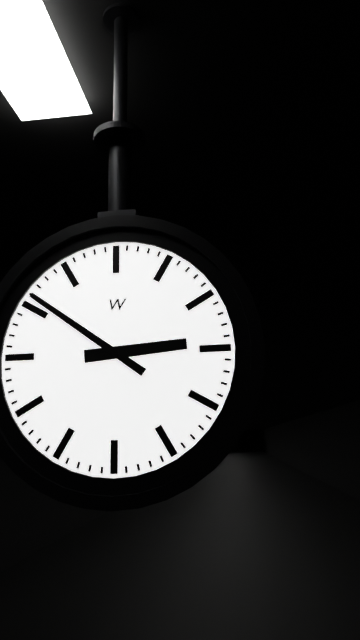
2:51
